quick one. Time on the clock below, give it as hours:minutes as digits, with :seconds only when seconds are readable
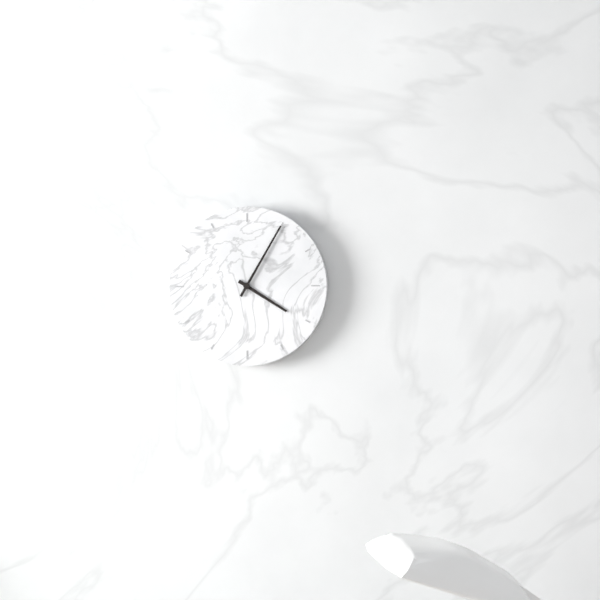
4:05
